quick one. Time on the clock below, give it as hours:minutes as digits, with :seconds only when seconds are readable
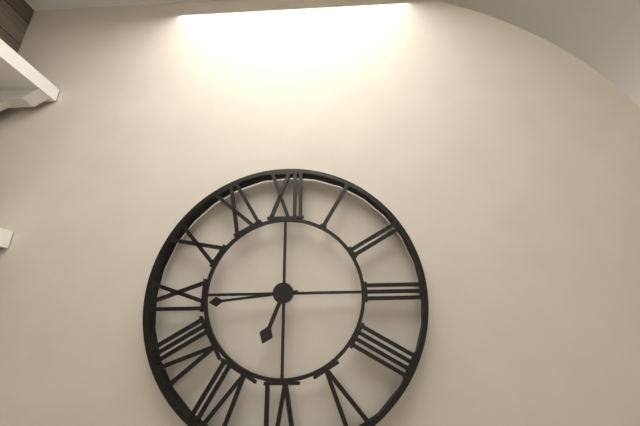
6:44
